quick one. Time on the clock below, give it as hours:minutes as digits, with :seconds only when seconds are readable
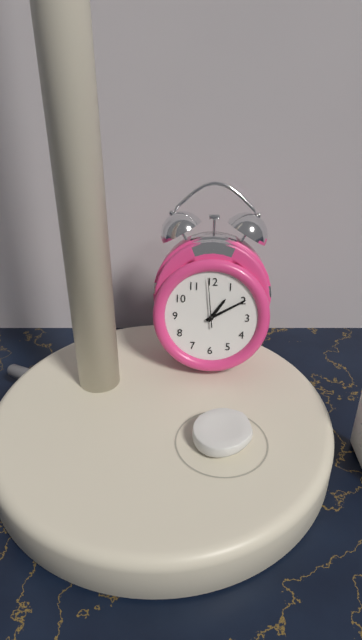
1:10:59
